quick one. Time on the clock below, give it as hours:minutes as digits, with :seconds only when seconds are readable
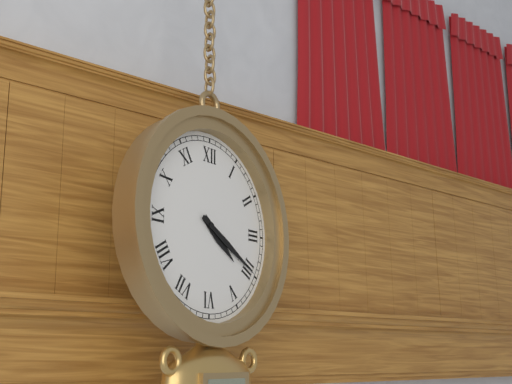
4:20
